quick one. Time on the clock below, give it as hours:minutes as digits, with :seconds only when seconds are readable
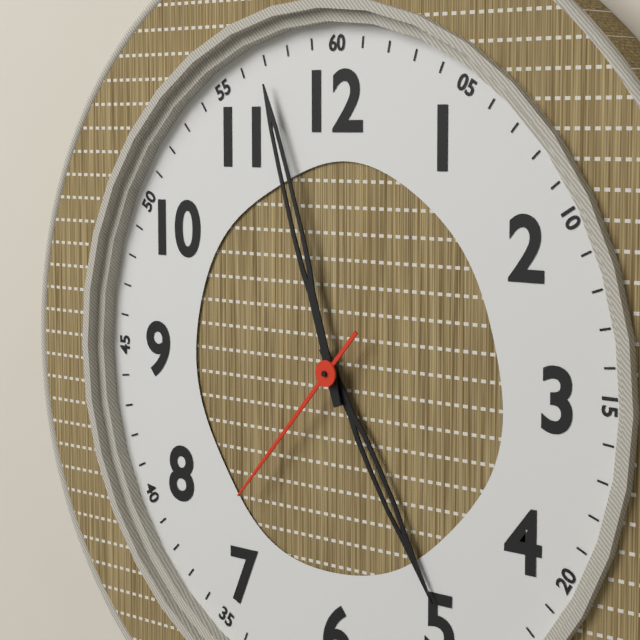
4:57:37
